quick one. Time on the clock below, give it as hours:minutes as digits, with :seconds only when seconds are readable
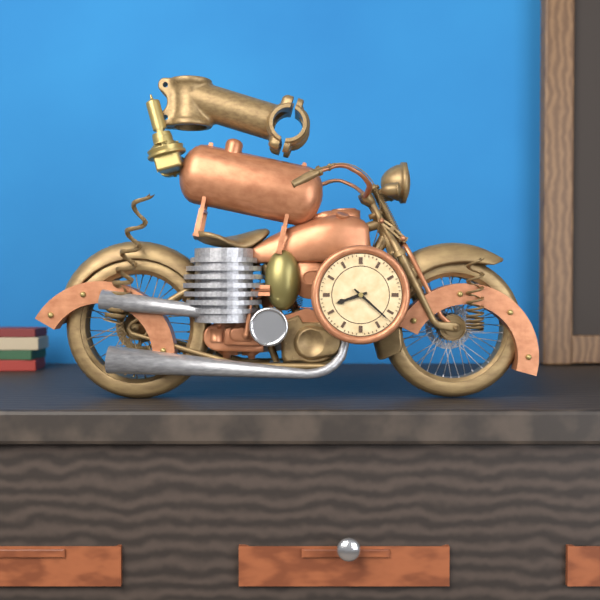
8:22
